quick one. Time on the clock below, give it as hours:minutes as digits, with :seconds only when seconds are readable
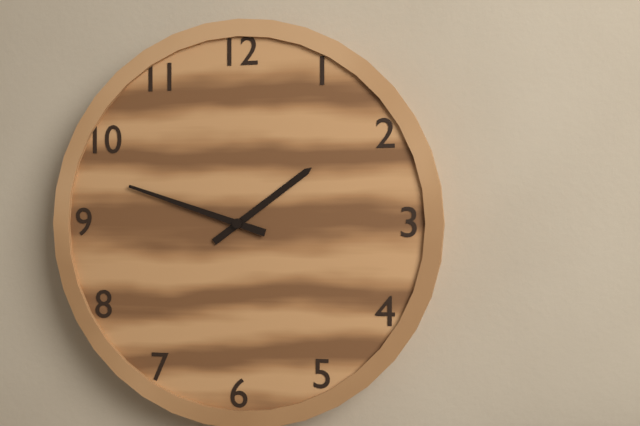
1:48
